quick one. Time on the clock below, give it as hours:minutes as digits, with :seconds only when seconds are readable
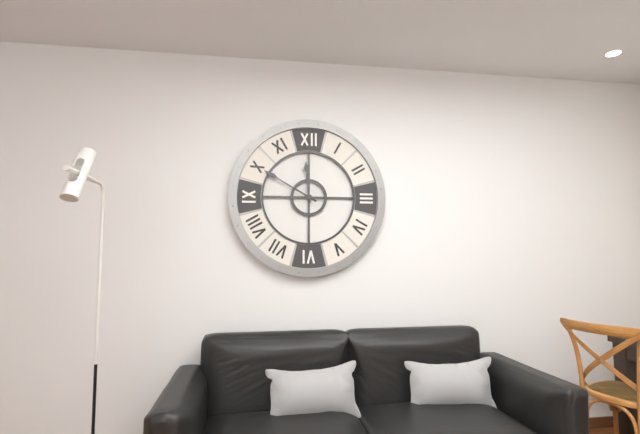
11:50
